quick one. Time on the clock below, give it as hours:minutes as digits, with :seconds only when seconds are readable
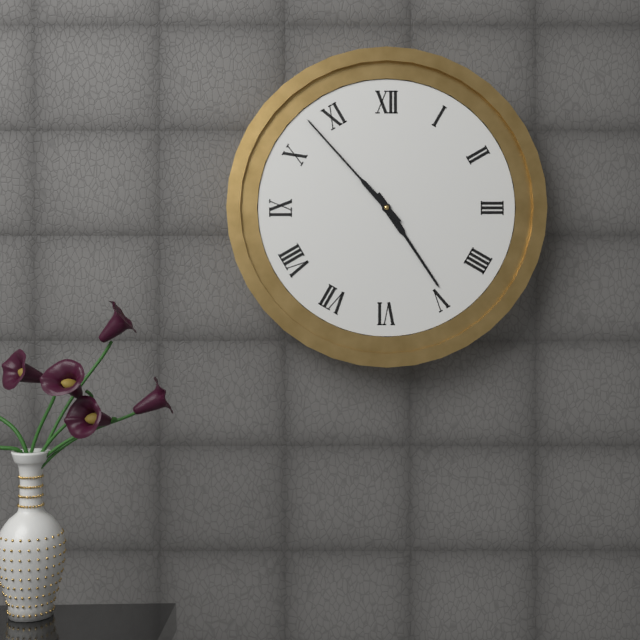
4:53
